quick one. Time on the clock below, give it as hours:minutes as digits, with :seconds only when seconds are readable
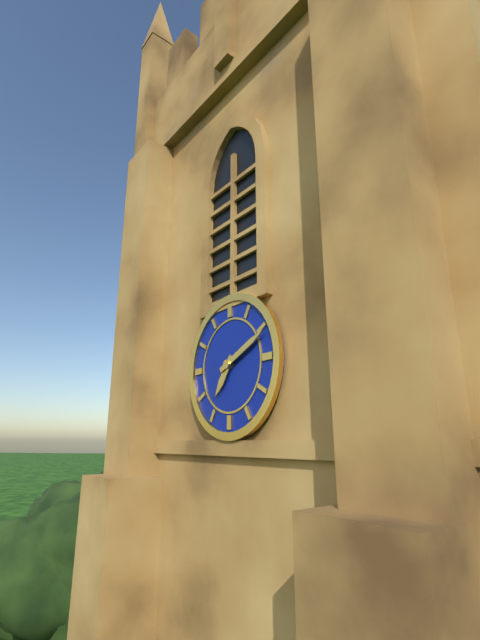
7:11
